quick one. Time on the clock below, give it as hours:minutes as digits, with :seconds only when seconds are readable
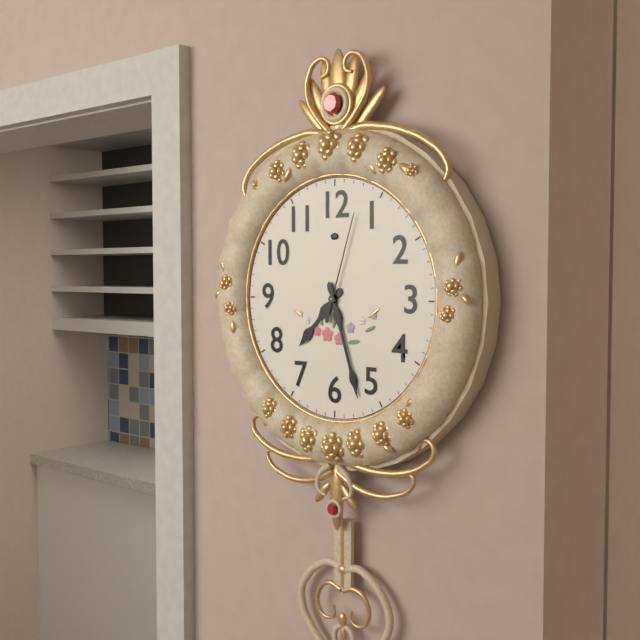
7:27:03
